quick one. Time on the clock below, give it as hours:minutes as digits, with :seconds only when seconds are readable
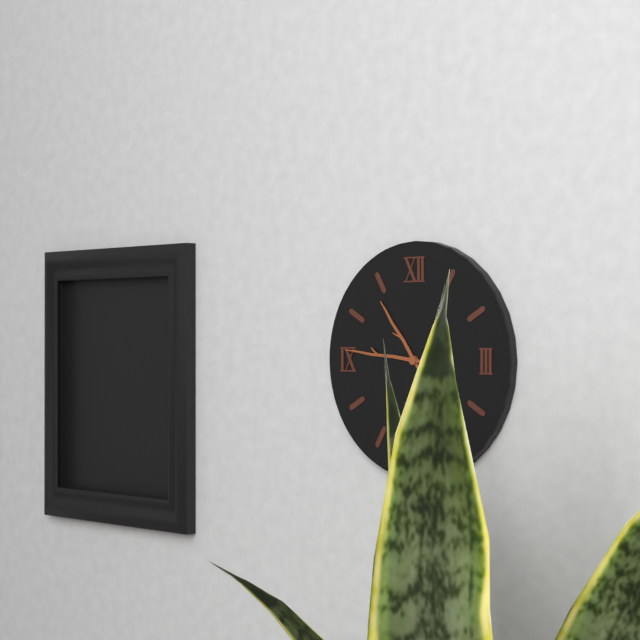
10:46
